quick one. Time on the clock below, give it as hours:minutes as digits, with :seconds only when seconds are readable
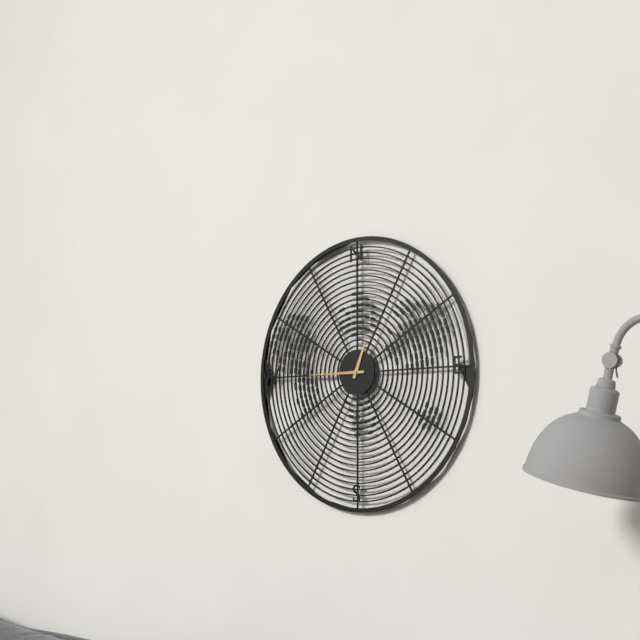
12:45
